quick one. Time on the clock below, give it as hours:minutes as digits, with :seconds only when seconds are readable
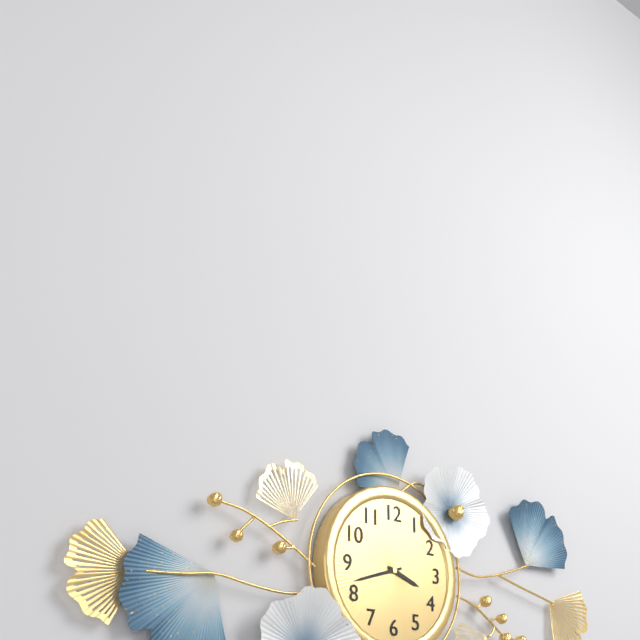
3:42
